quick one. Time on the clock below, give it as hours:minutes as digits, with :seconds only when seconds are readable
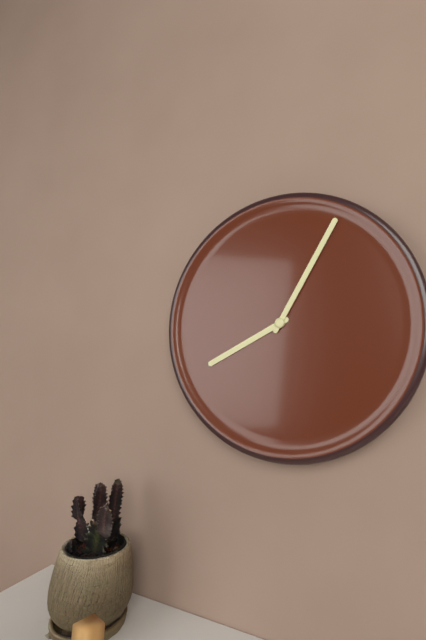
8:05
